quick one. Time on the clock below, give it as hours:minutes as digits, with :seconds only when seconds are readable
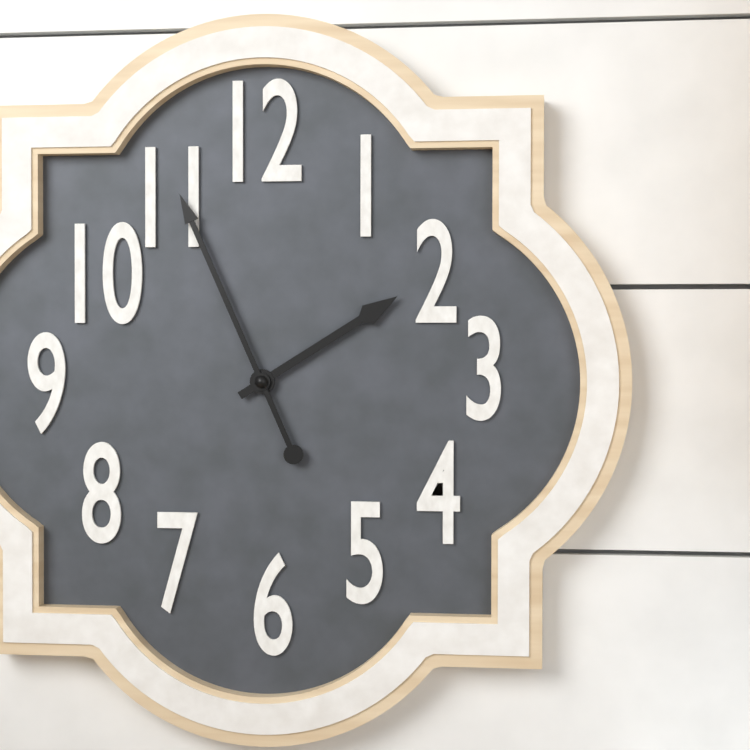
1:56
